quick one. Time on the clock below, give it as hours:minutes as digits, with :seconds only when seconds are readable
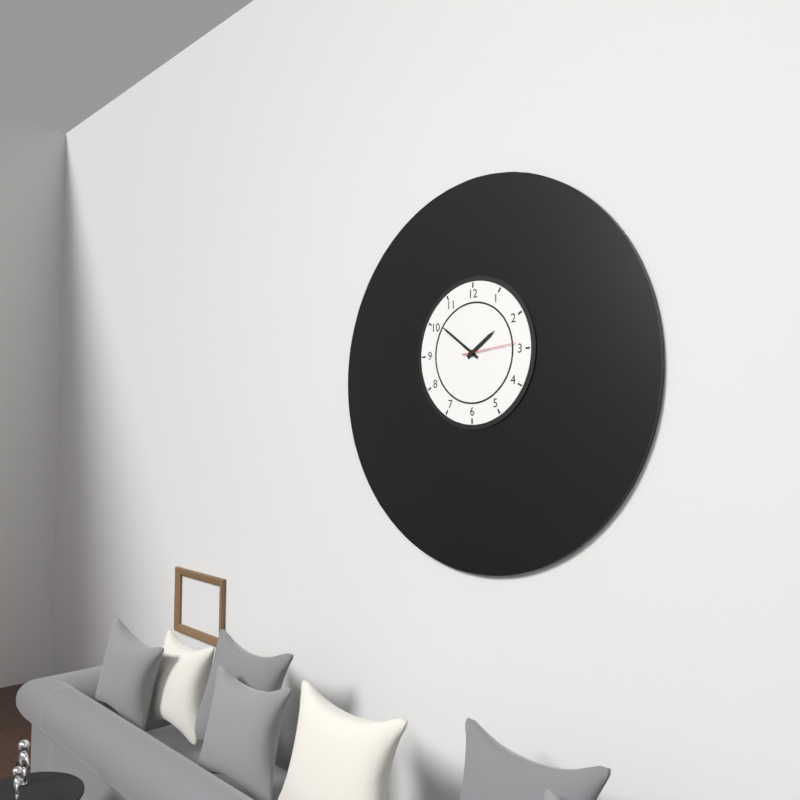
1:51:14
